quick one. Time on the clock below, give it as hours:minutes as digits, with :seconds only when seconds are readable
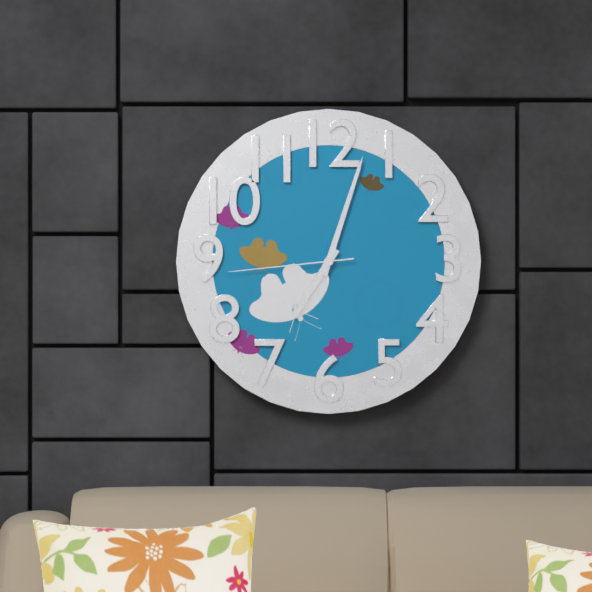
7:03:44
